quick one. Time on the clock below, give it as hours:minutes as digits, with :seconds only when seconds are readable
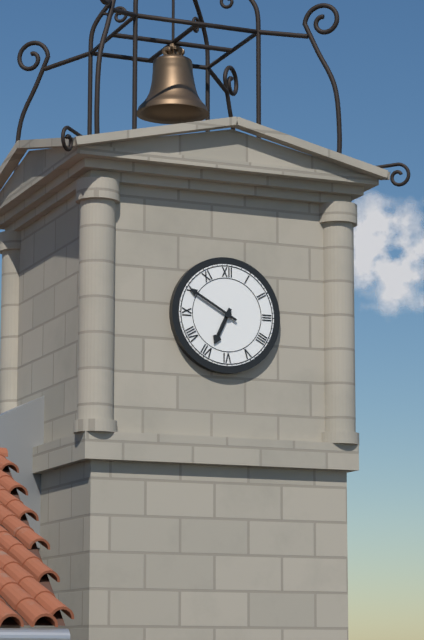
6:50
